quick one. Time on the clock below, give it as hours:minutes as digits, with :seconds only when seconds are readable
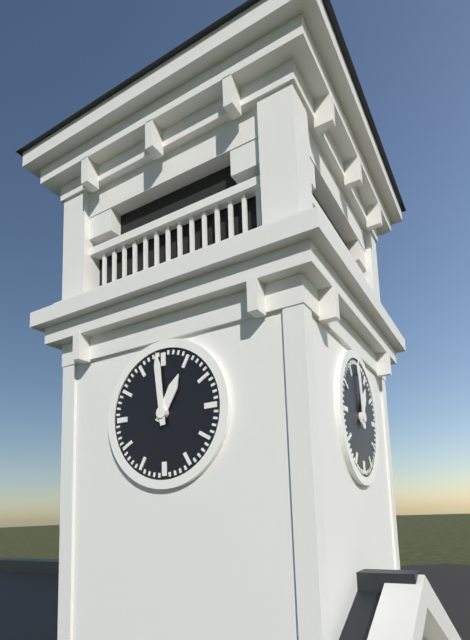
12:59
